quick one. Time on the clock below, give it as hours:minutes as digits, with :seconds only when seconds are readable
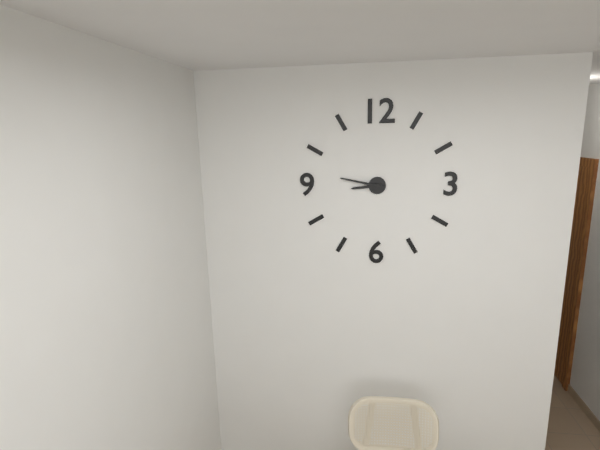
8:47
